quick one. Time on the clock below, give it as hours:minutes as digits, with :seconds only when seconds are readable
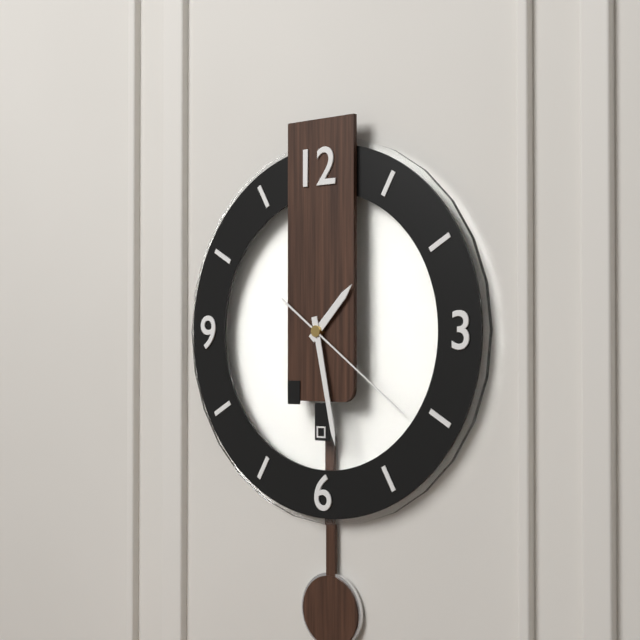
1:28:21
